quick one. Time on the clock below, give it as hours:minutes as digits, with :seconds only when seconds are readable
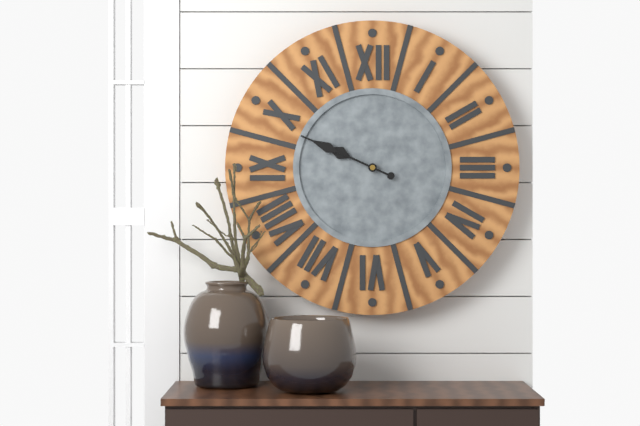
9:49
